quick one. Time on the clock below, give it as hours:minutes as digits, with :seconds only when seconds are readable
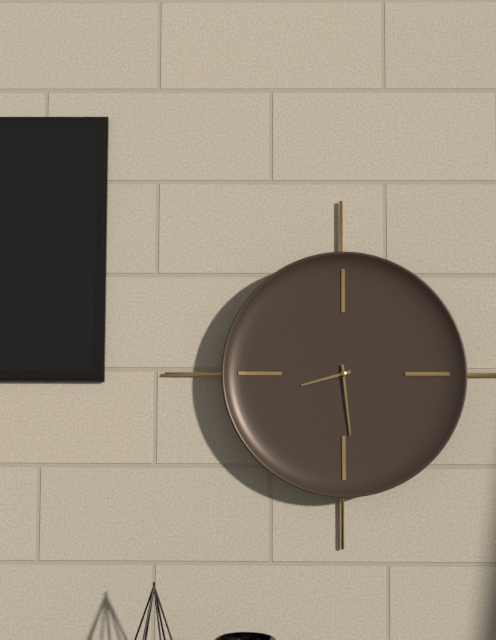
8:29
